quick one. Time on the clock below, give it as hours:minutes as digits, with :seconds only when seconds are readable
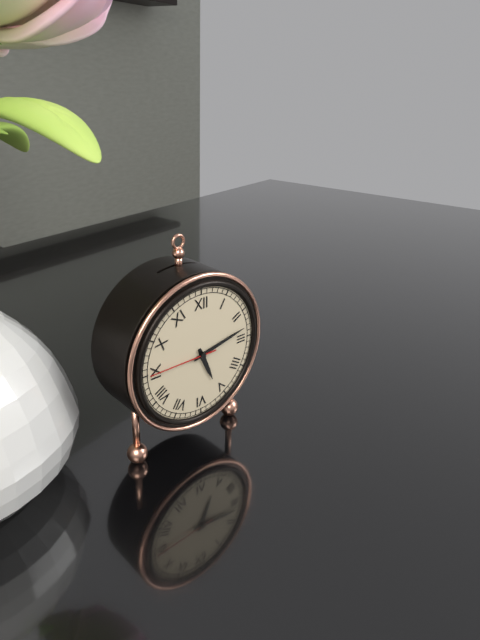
5:13:45
